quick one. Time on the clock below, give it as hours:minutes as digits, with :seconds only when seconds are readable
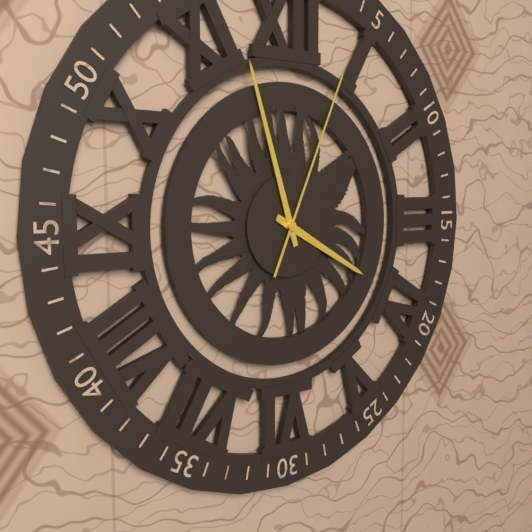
3:57:04
